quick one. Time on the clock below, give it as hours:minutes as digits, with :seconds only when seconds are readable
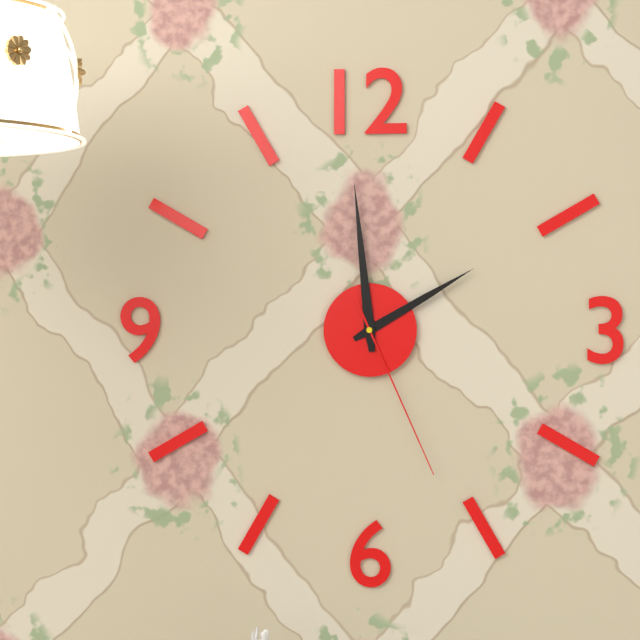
1:59:26
